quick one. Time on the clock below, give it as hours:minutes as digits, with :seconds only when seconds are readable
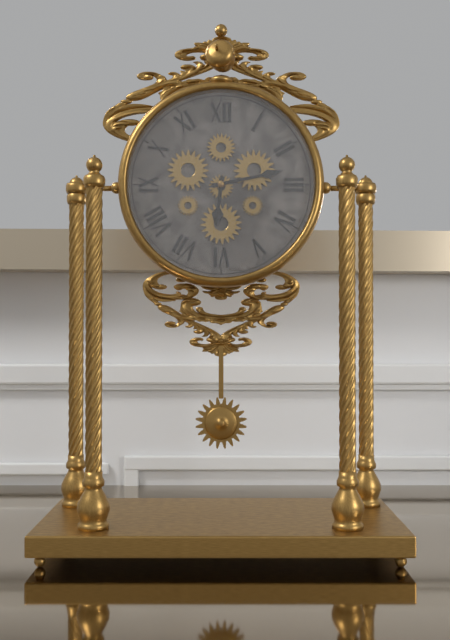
6:13
